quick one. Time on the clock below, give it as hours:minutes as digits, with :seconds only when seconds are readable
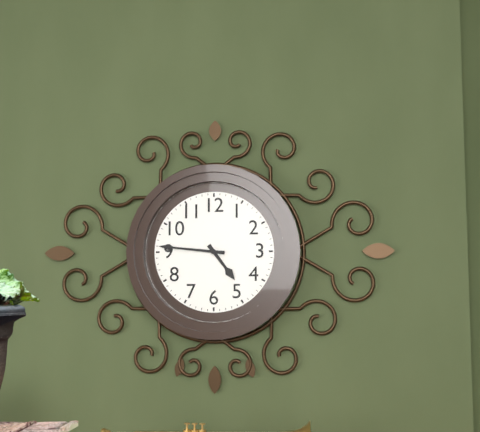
4:46
